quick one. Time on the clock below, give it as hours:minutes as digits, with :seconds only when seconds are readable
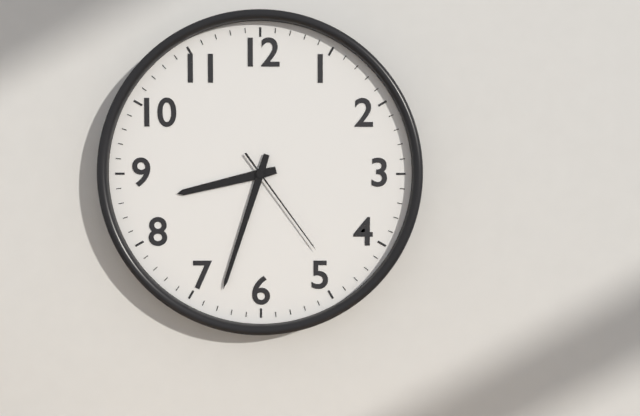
8:33:24
